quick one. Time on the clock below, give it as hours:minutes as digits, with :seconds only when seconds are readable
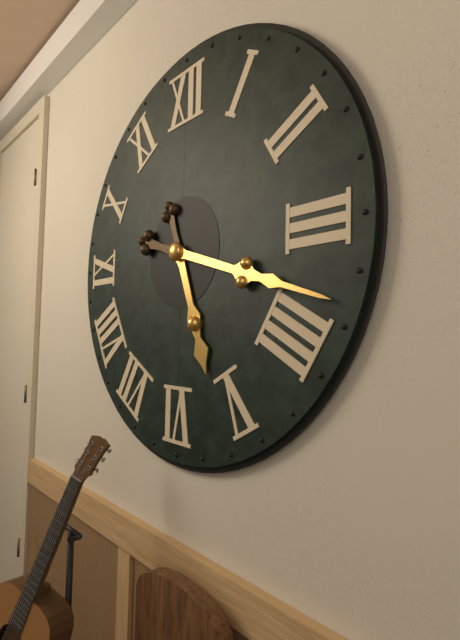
5:18
